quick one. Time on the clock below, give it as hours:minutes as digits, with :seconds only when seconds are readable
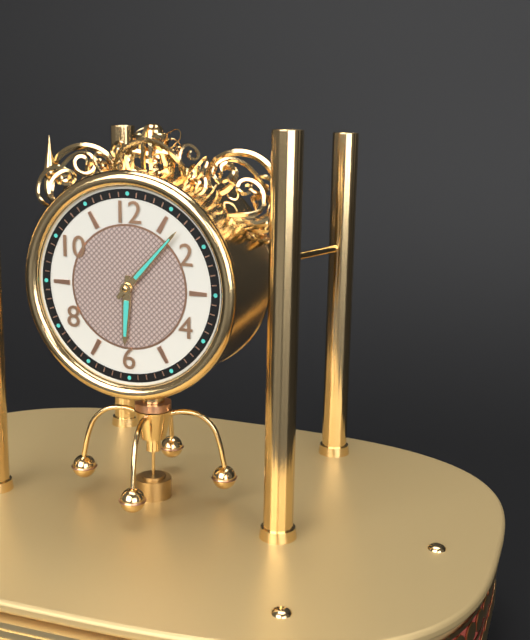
6:07
